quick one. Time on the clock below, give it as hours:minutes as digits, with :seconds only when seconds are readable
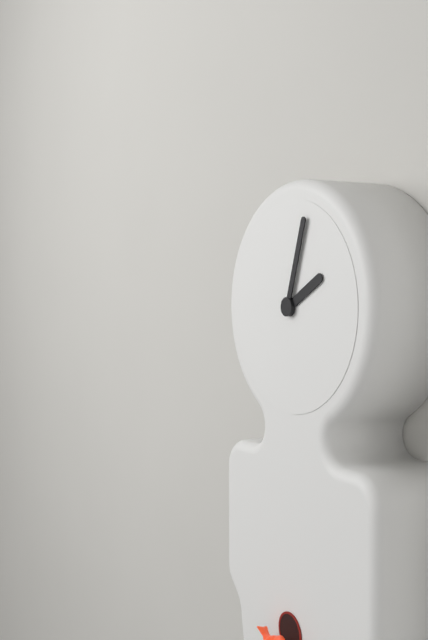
2:03
